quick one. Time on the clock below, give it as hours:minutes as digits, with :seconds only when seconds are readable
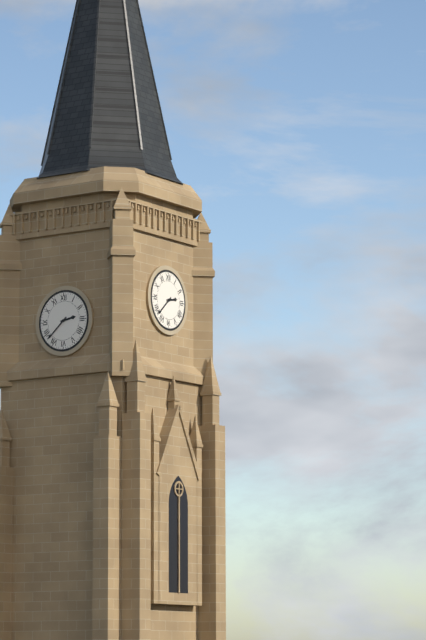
2:38
